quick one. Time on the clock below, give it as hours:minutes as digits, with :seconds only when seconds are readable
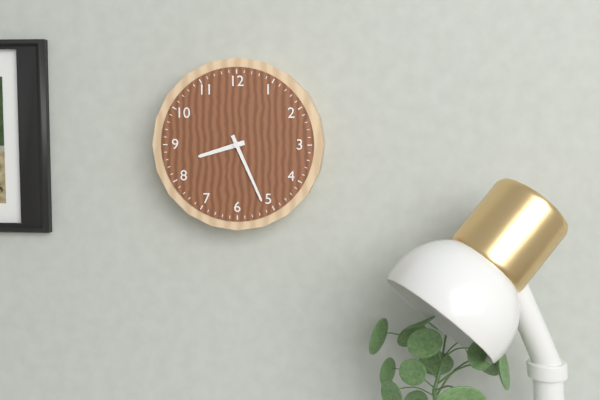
8:26
